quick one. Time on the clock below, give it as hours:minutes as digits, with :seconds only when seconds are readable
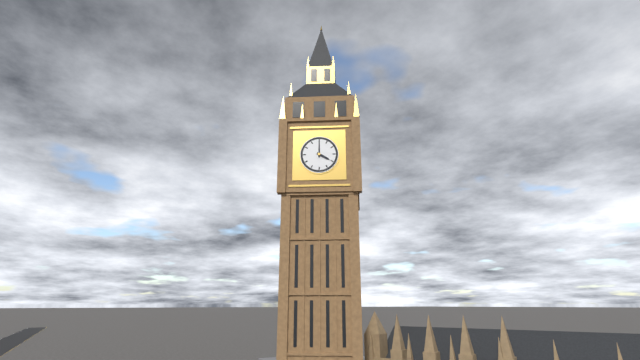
4:00
